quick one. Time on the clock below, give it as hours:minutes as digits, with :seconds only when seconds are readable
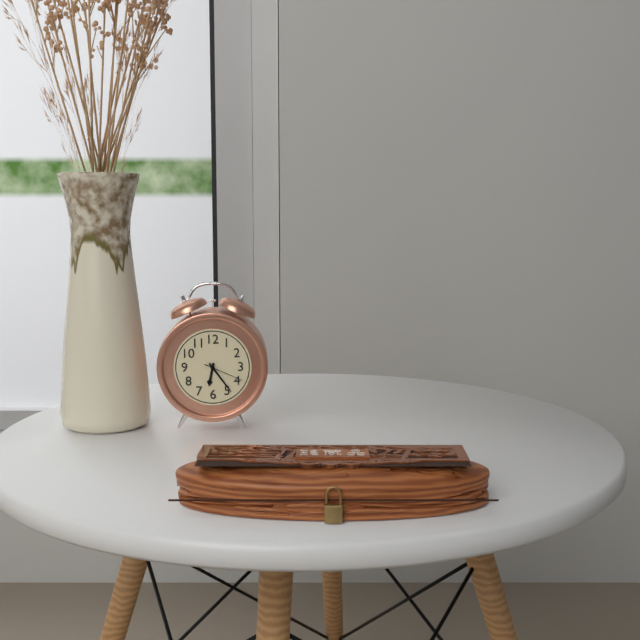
6:24
